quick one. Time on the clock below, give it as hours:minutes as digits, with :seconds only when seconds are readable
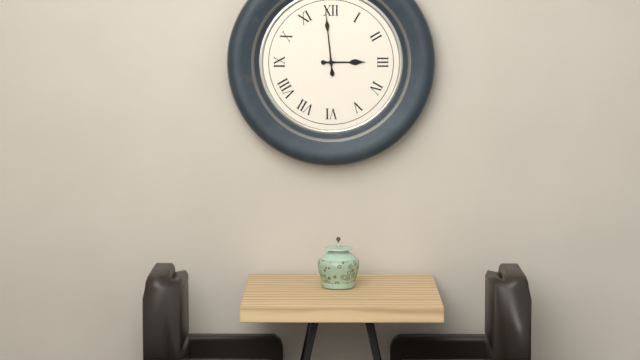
2:59
